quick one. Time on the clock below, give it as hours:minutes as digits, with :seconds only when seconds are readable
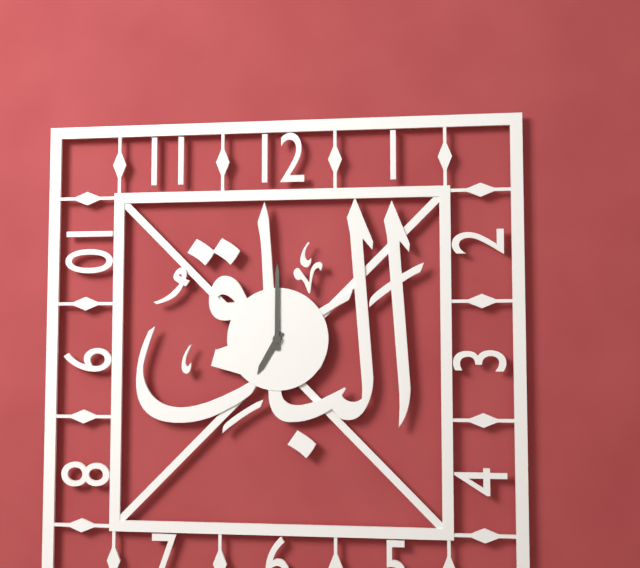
7:00
